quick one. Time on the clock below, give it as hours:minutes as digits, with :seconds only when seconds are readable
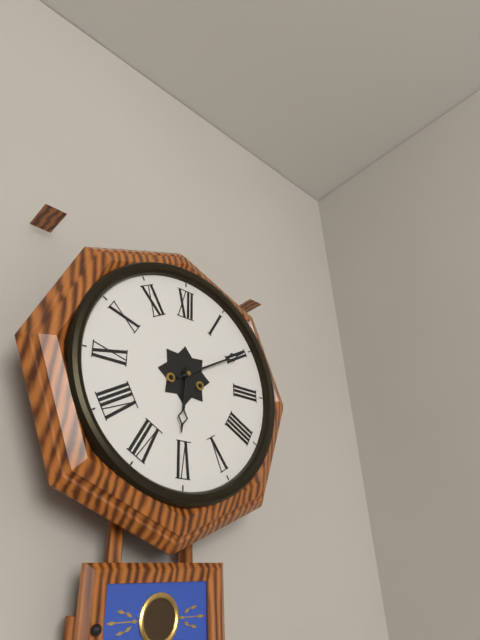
6:10
